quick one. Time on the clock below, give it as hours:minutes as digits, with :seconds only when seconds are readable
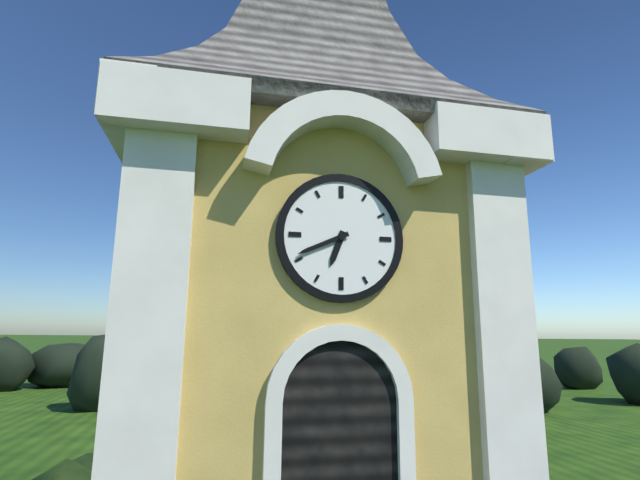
6:41
